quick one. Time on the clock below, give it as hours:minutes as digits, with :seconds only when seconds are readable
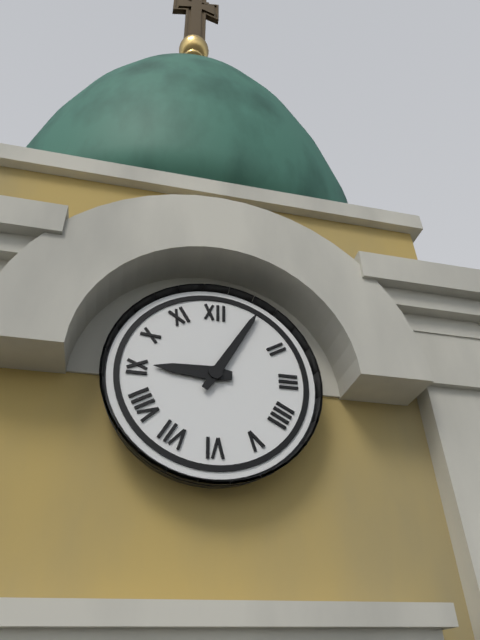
9:05
